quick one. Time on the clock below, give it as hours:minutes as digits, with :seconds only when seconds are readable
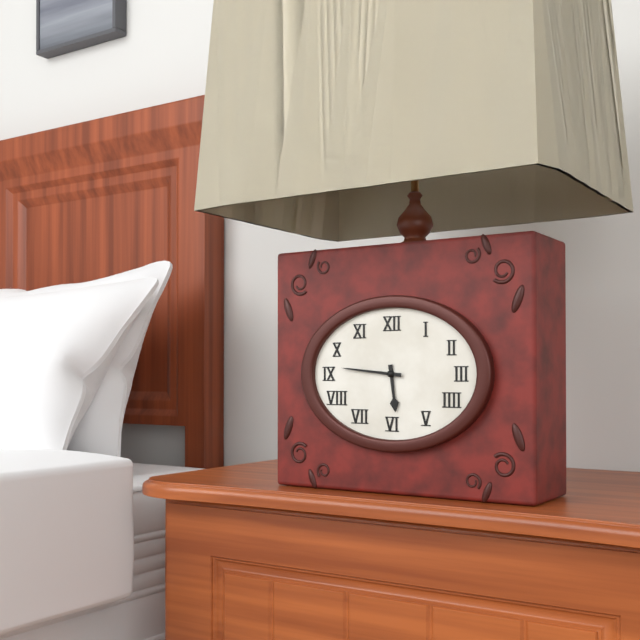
5:46
